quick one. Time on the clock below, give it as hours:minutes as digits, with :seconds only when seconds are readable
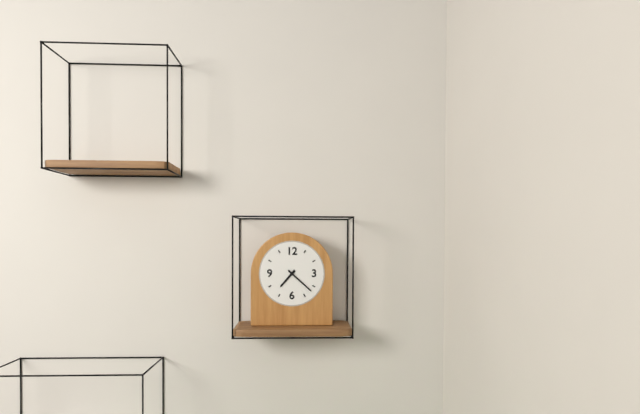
7:22
